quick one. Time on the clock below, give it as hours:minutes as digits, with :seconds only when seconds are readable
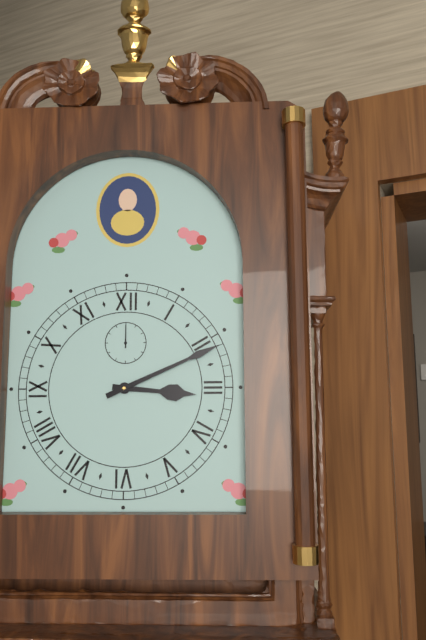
3:11
